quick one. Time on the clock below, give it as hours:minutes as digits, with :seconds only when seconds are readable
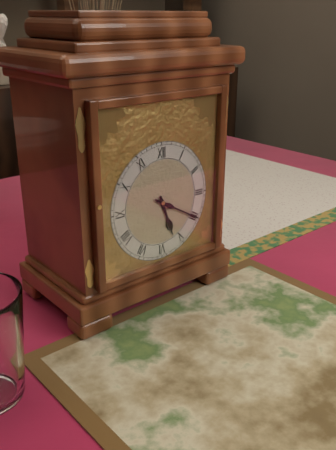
5:20
